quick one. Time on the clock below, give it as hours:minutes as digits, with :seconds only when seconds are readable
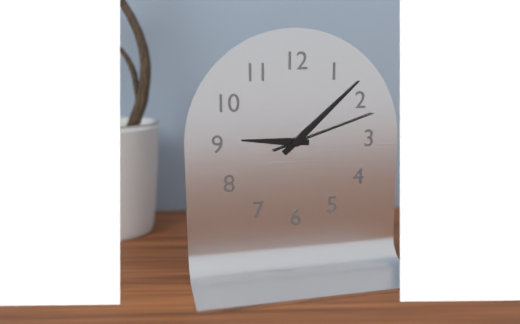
9:08:12
